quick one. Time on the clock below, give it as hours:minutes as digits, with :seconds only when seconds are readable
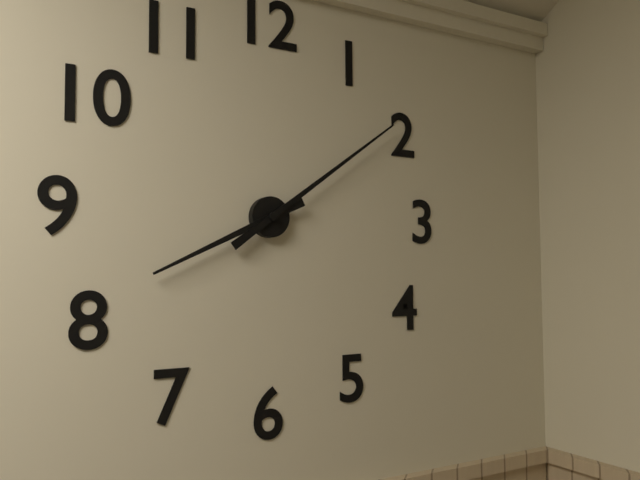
8:09
